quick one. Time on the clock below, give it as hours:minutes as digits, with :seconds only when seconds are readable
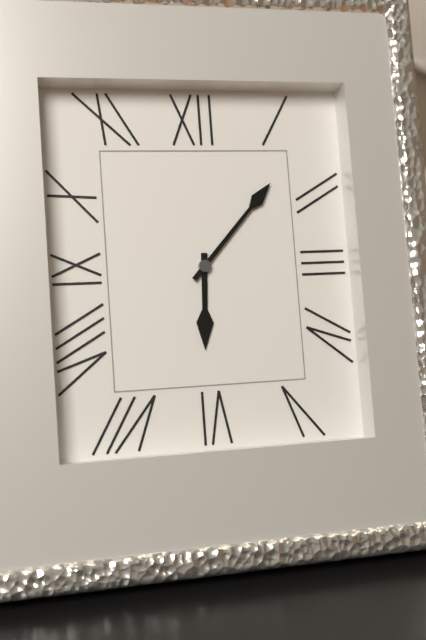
6:07
